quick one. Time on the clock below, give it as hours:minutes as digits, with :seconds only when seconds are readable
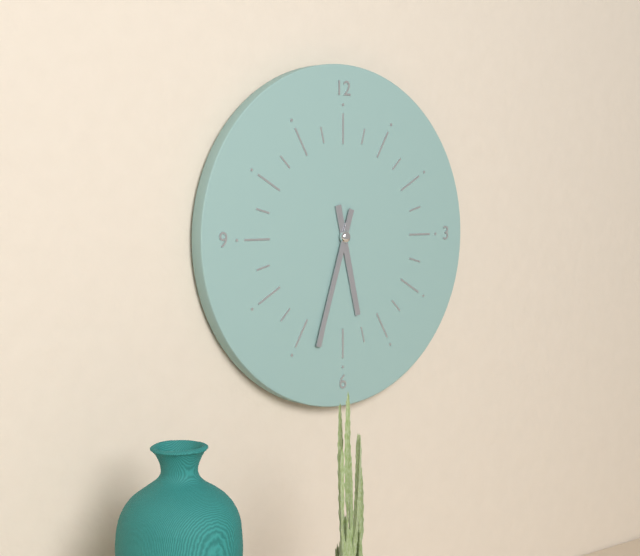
5:33
